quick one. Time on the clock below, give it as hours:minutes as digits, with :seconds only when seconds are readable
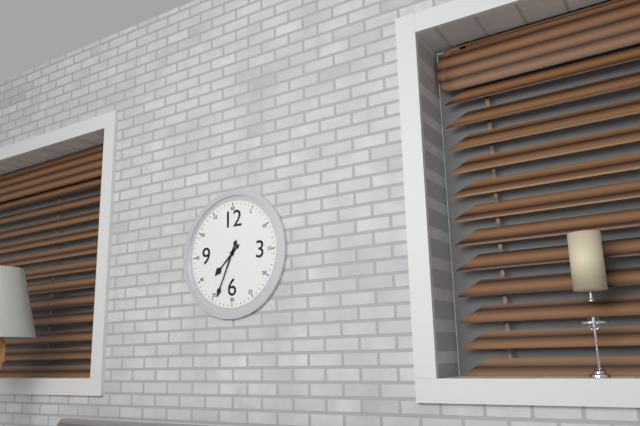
7:34
